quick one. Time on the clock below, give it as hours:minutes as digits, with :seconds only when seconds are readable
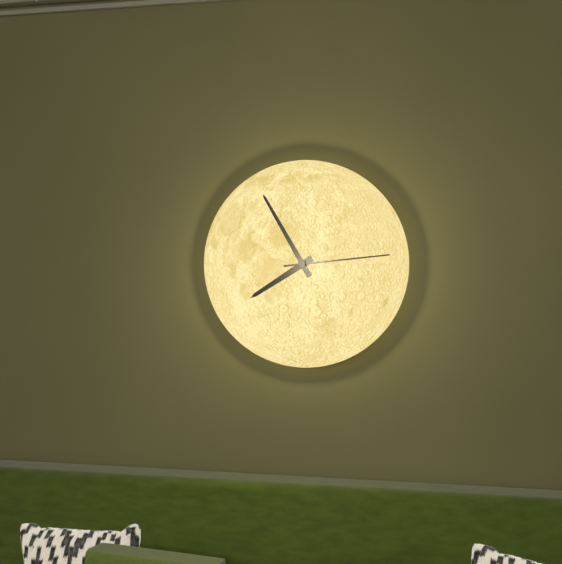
7:55:14
